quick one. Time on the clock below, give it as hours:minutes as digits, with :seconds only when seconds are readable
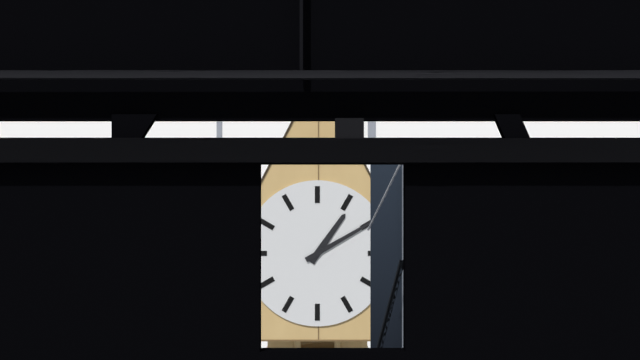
1:10
